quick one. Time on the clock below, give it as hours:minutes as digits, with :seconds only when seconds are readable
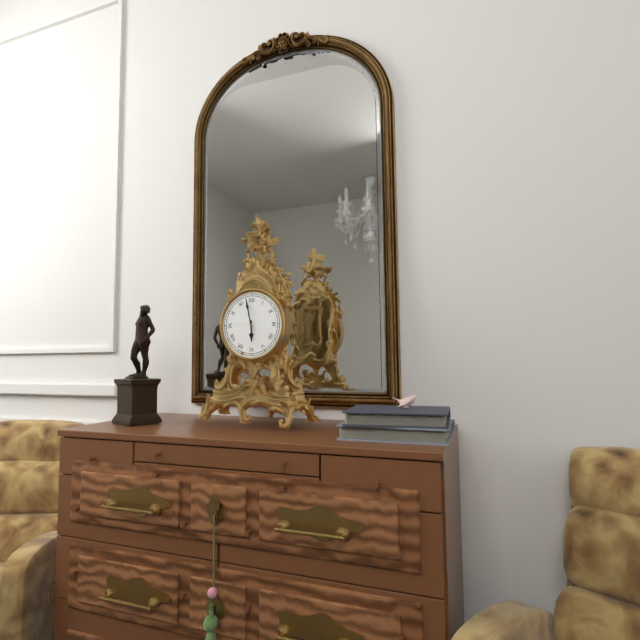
5:58
